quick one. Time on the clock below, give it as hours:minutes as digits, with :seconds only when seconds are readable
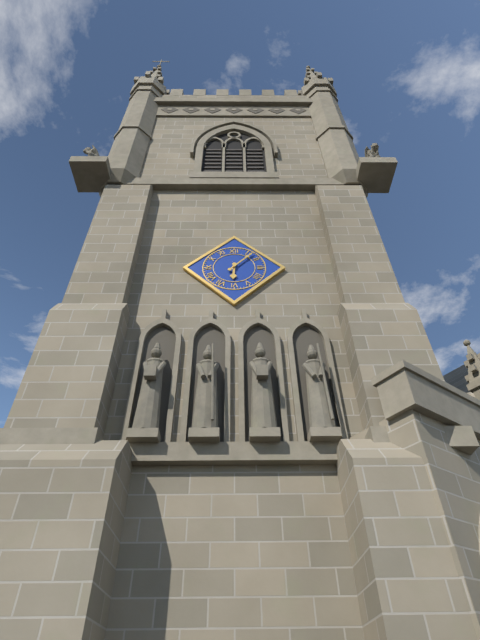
6:07
